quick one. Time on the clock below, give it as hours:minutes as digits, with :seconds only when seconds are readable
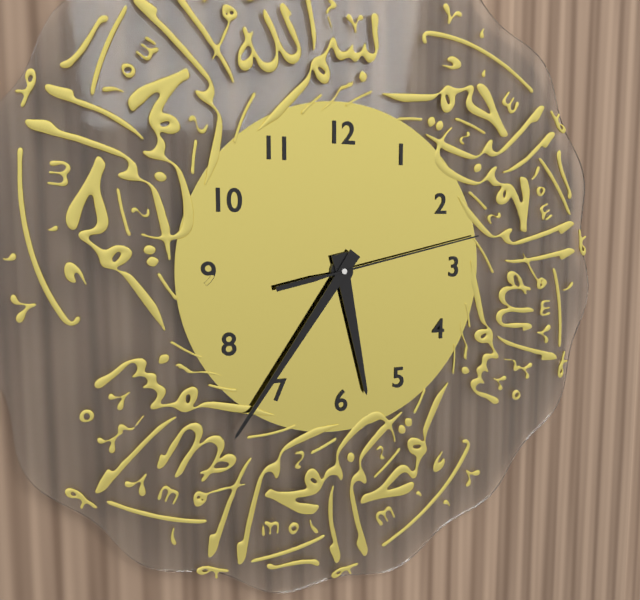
5:36:13
